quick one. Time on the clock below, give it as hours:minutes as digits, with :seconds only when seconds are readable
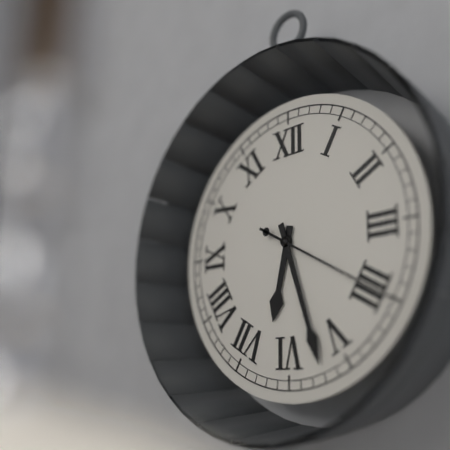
6:27:20
